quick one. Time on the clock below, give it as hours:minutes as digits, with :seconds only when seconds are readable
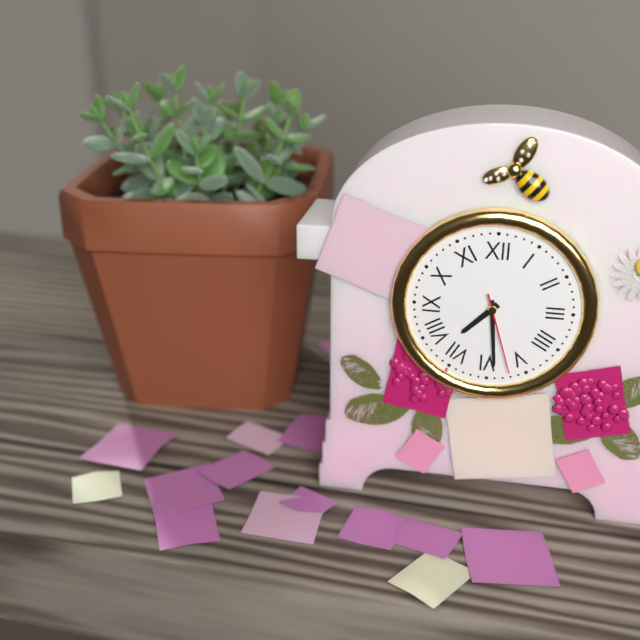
7:29:27
